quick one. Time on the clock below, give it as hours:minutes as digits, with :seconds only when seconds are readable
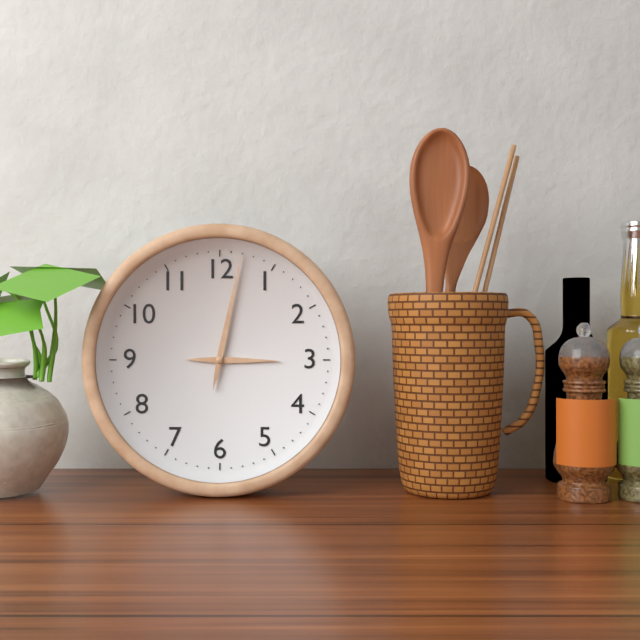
3:02
